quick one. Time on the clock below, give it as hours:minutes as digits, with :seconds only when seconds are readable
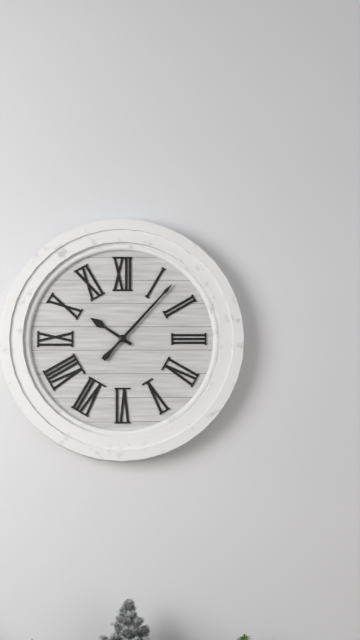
10:07
